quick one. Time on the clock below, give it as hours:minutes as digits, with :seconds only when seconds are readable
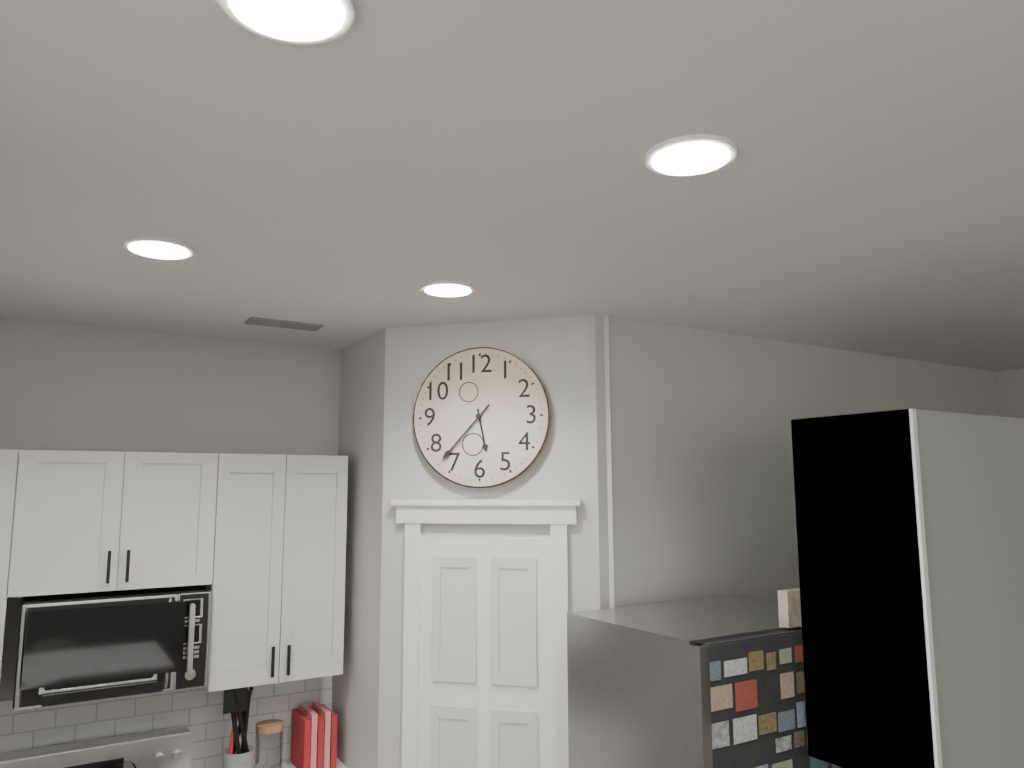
5:37
